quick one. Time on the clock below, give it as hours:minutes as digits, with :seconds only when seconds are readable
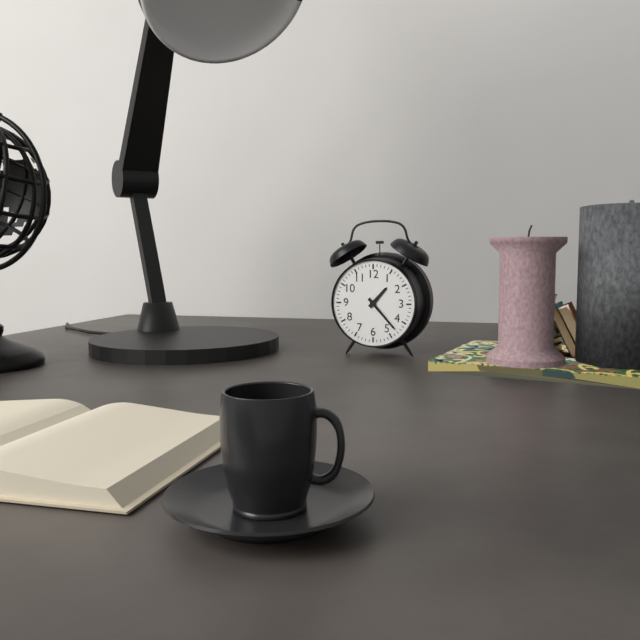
1:23
